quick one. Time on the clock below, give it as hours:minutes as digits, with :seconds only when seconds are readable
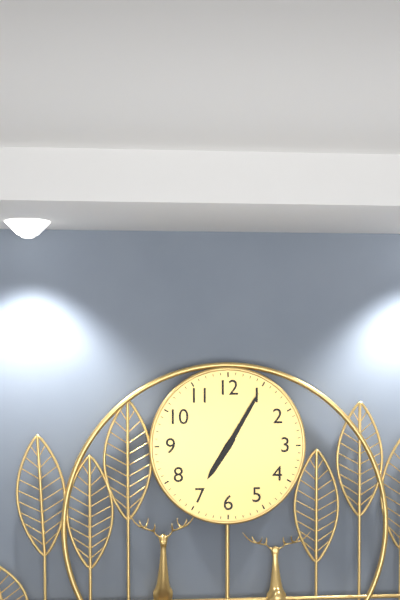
7:05
